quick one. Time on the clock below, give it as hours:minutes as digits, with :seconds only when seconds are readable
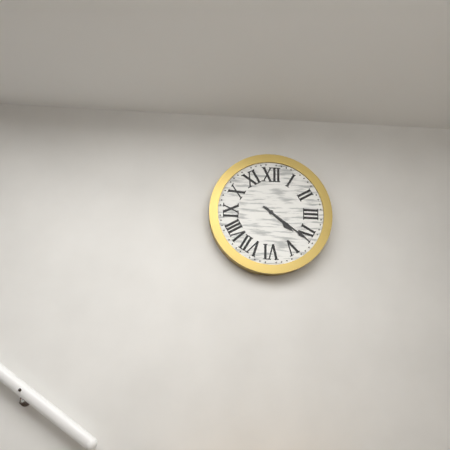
4:21
